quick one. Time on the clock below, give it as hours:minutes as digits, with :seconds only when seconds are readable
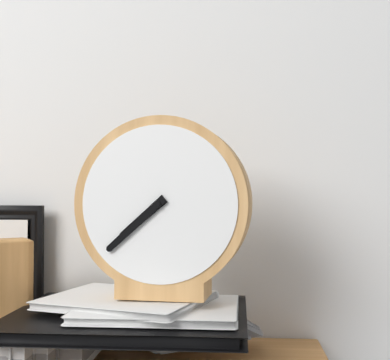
7:38
